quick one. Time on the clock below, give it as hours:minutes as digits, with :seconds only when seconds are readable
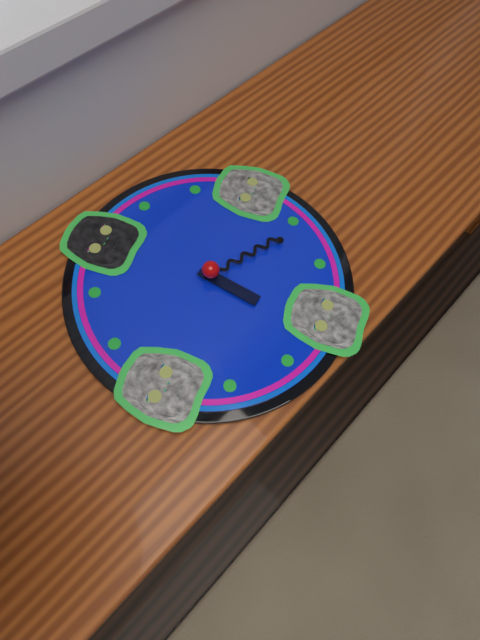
6:21
